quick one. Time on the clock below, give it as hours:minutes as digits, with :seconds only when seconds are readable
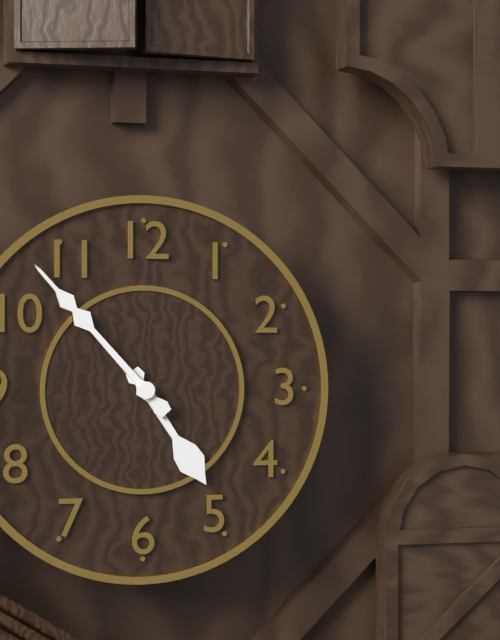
4:53
